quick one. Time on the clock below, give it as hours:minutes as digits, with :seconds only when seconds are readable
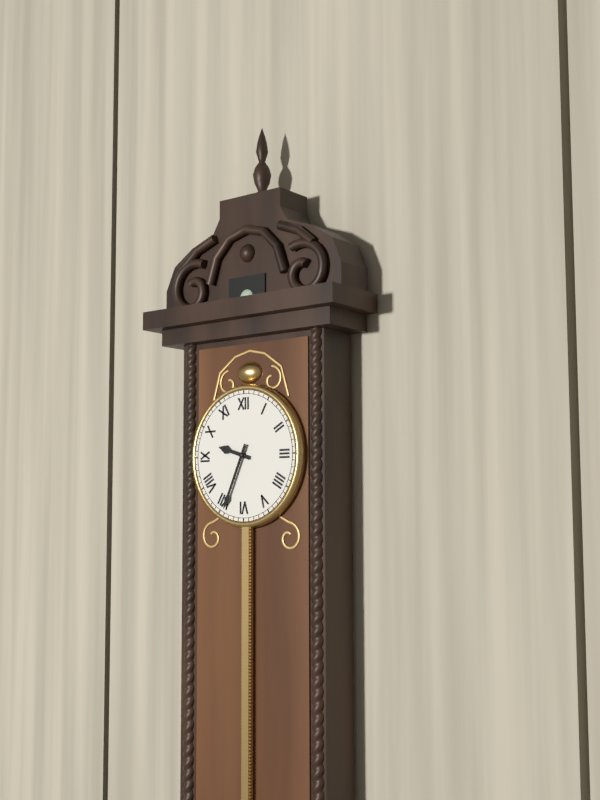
9:34
